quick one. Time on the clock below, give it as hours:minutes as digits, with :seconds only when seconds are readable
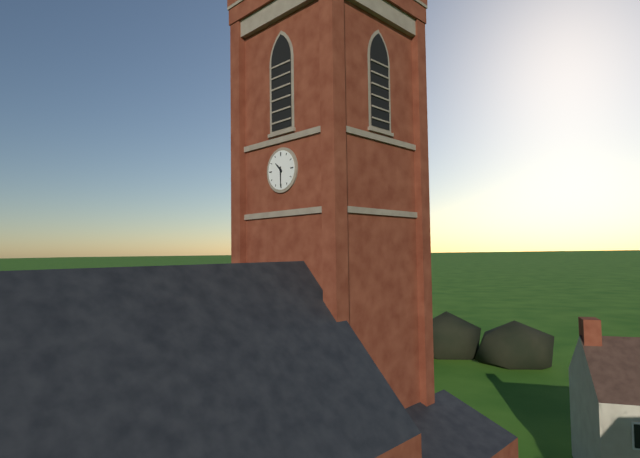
10:30
